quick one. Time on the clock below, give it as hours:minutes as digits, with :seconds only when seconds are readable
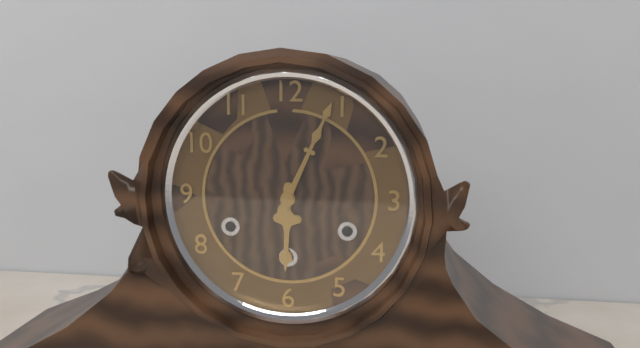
6:04
